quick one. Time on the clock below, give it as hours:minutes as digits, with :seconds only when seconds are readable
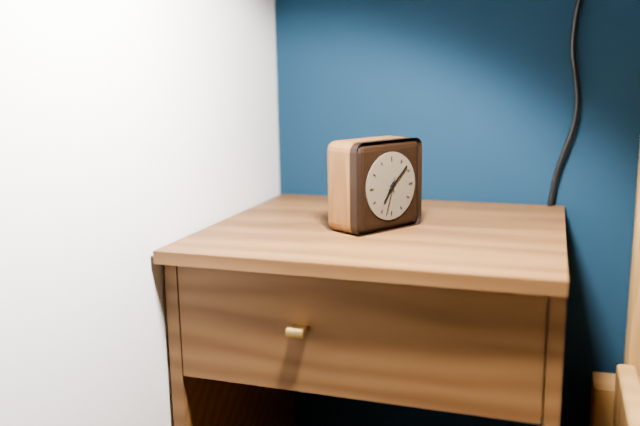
7:08
